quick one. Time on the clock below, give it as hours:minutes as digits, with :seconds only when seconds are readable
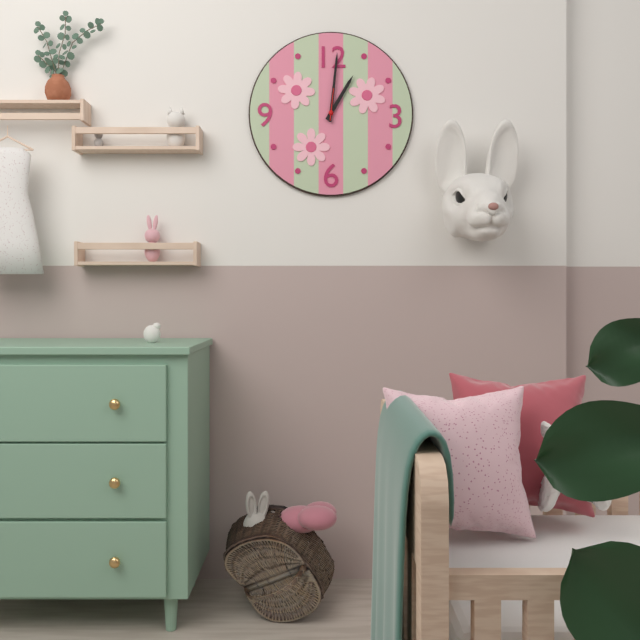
1:01
